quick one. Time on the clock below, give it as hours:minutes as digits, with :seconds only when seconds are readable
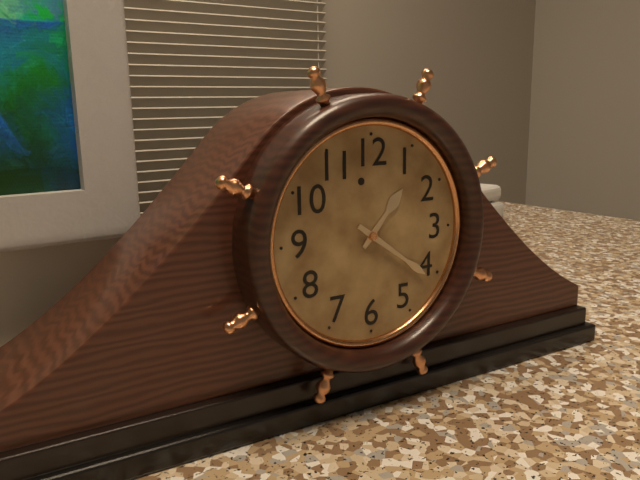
1:21
